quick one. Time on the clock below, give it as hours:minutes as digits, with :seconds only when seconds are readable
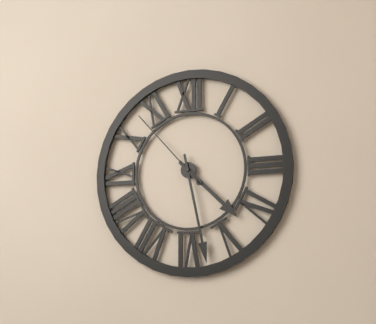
4:28:53
